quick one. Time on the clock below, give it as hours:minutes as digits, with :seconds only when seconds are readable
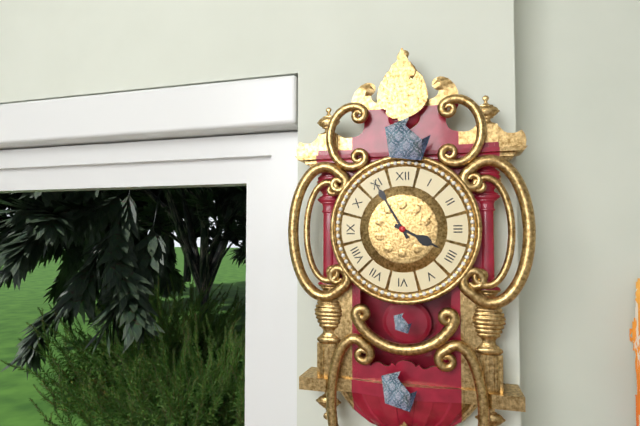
3:55
